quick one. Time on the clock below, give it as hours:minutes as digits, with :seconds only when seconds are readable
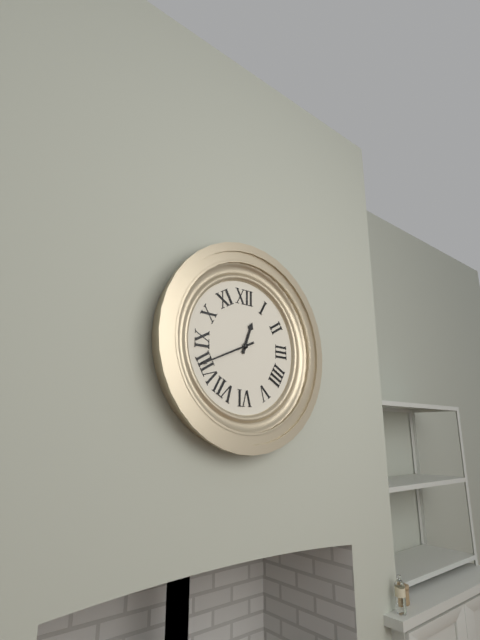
12:41
